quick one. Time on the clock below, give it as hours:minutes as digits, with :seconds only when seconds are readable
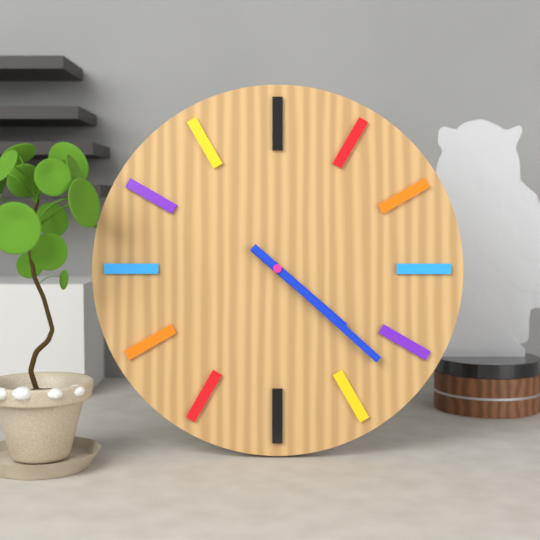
4:22
